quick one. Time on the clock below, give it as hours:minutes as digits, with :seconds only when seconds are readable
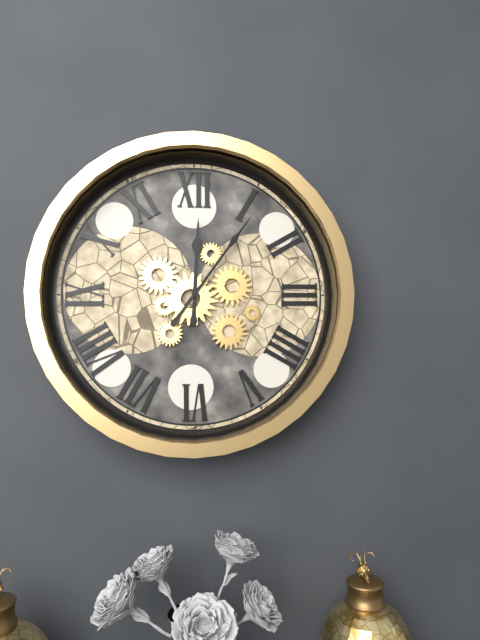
12:06
